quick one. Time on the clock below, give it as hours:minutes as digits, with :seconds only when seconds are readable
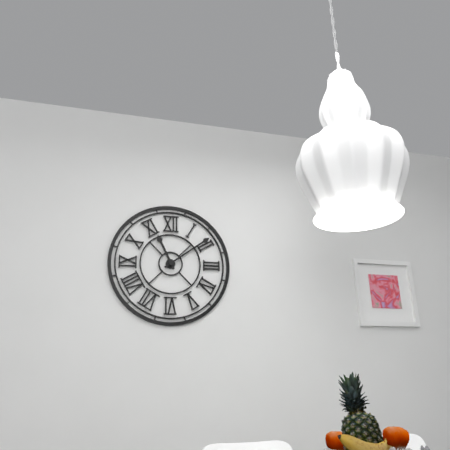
11:09
